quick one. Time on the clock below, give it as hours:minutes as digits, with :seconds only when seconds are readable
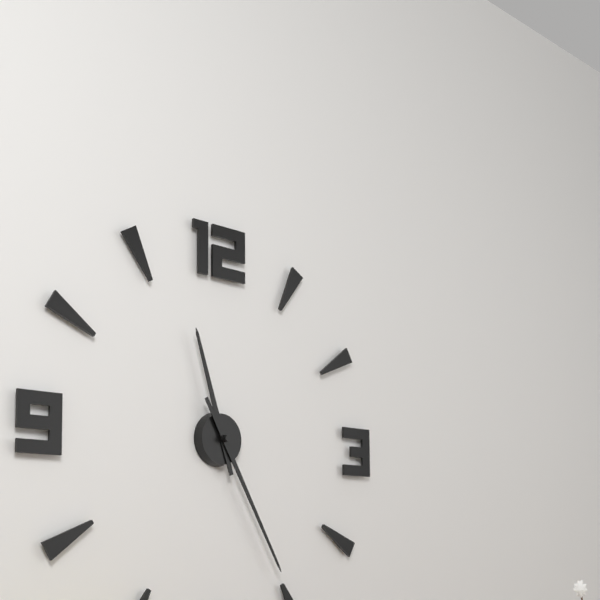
11:25
